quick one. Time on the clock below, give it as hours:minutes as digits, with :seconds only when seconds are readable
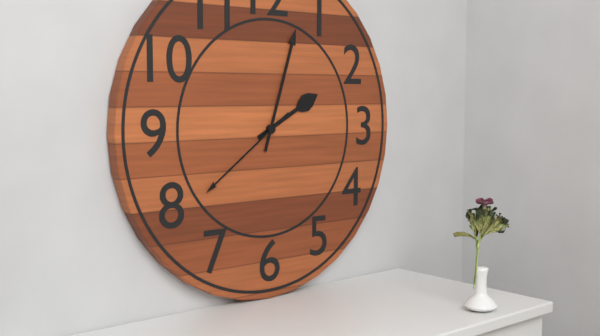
2:03:39
